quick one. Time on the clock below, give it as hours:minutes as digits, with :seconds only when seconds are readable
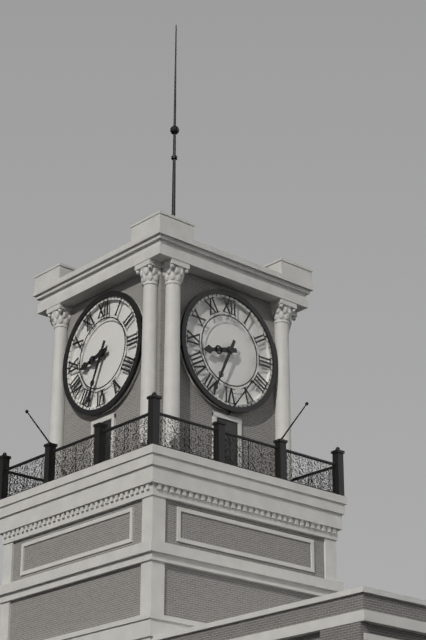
8:34
